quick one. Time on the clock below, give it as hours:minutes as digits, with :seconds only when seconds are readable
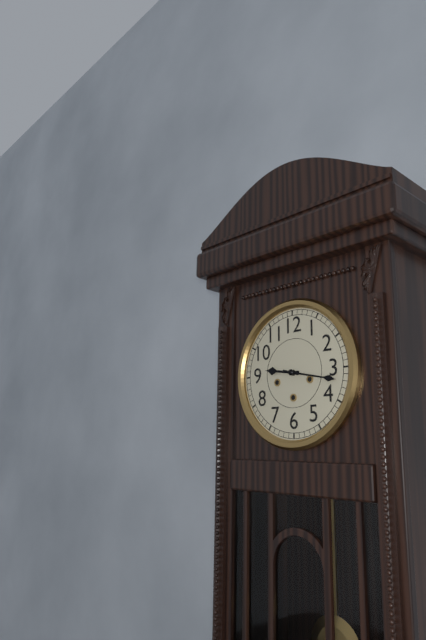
9:17
